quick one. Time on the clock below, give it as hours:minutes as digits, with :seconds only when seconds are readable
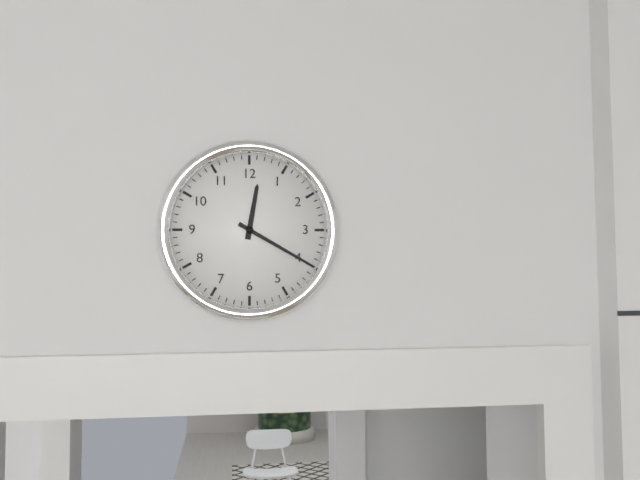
12:20
